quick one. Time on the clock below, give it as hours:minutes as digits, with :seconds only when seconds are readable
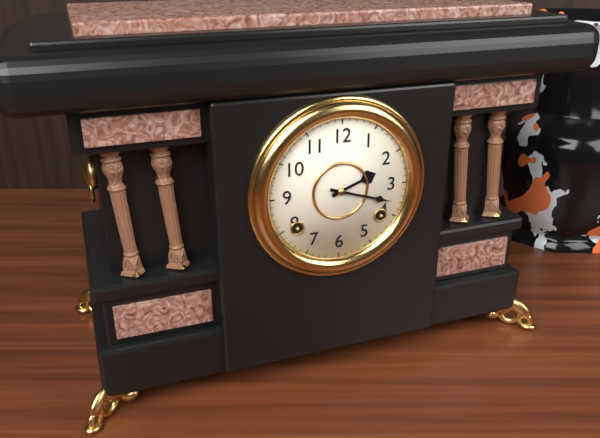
2:18
